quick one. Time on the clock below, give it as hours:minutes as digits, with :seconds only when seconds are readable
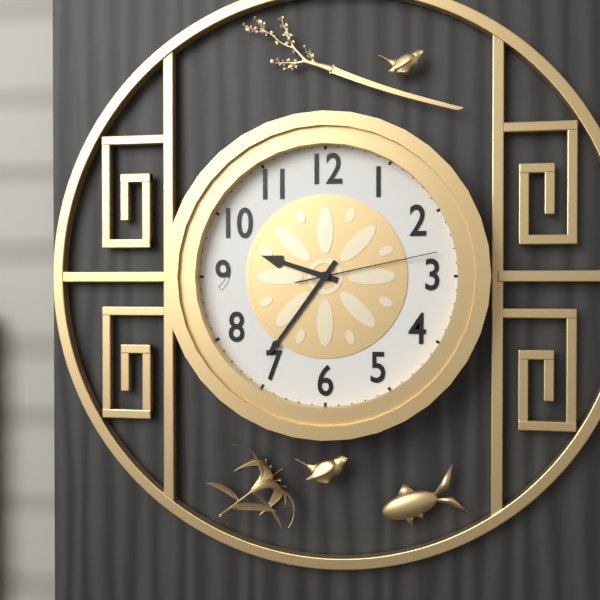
9:36:13
